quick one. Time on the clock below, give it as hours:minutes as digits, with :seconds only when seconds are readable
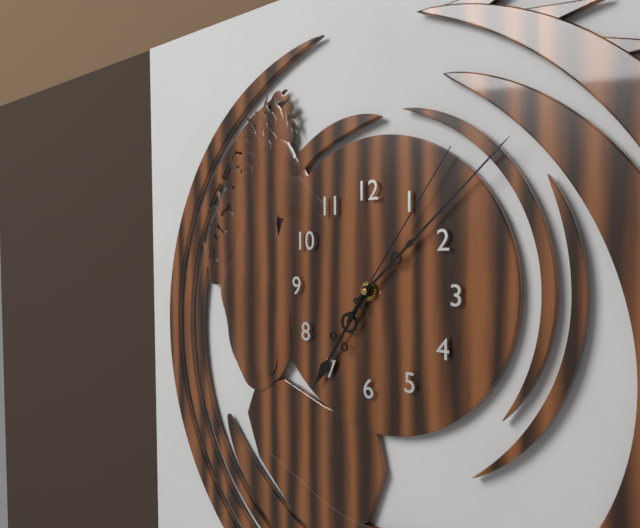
7:08:06
